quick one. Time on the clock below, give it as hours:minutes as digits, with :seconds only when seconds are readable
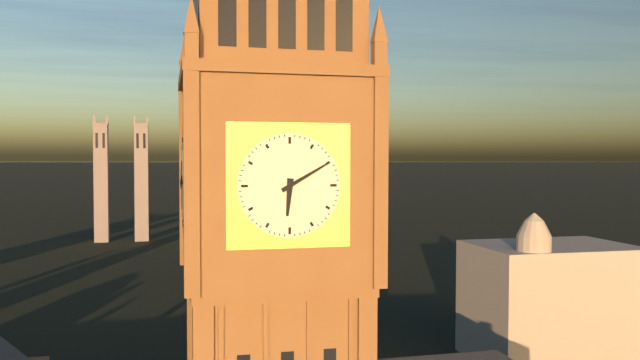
6:10
